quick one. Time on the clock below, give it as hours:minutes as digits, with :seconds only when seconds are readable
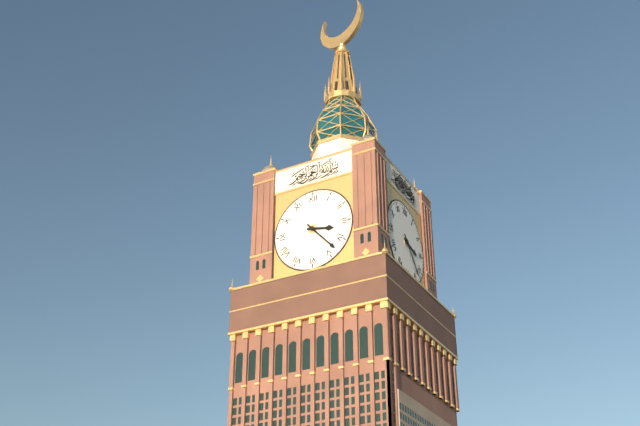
3:23
